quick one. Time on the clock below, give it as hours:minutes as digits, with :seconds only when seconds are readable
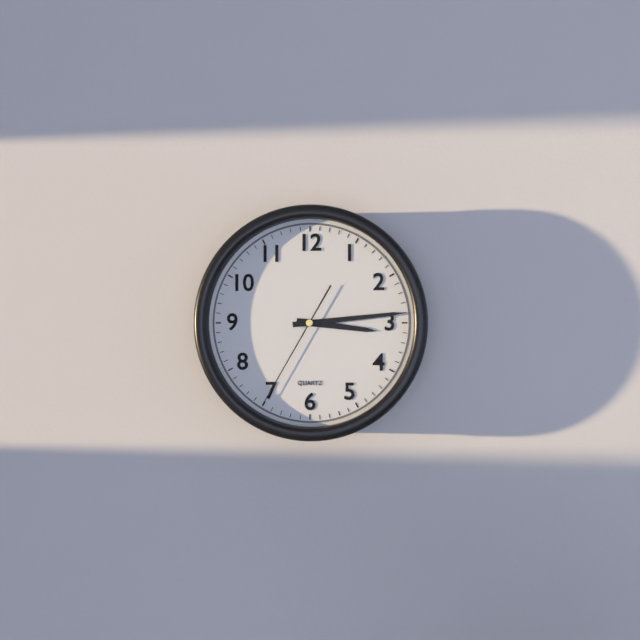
3:14:35
